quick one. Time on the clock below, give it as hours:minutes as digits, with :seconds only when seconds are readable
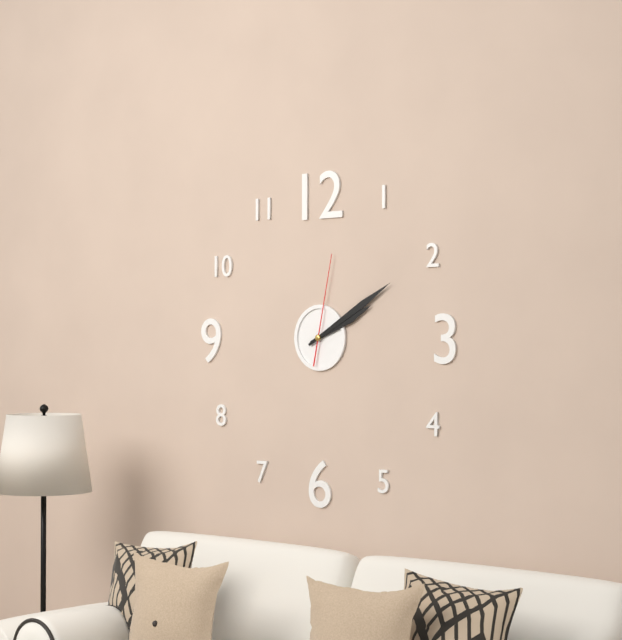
2:10:02
